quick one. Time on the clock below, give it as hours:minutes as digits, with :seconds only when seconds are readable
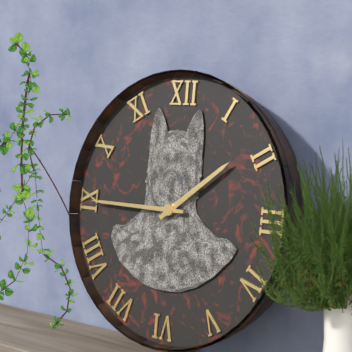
1:45
